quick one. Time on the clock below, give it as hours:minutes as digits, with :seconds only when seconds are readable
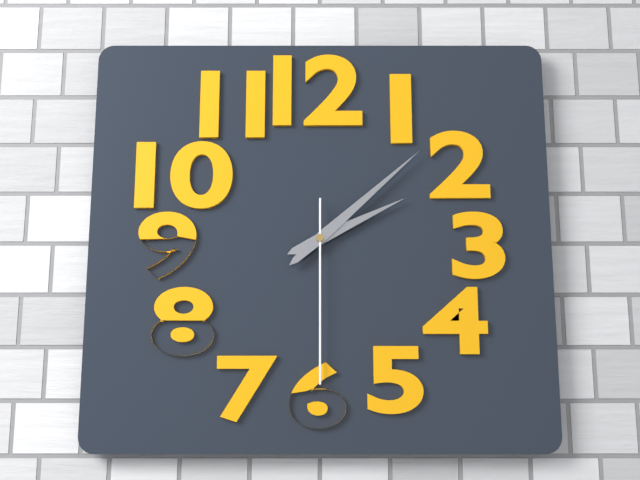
2:08:30
